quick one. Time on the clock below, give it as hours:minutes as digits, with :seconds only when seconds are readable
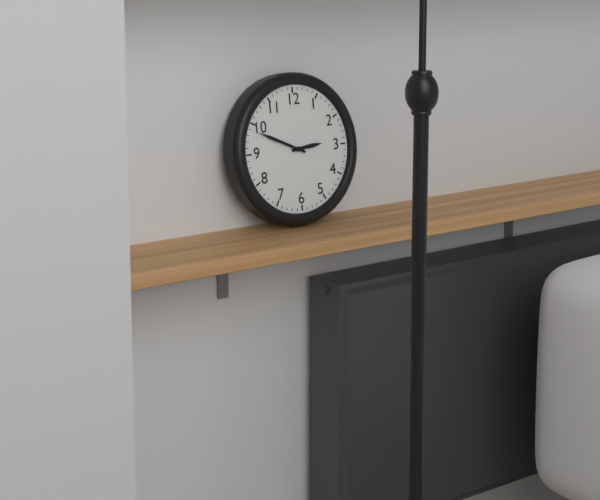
2:49
